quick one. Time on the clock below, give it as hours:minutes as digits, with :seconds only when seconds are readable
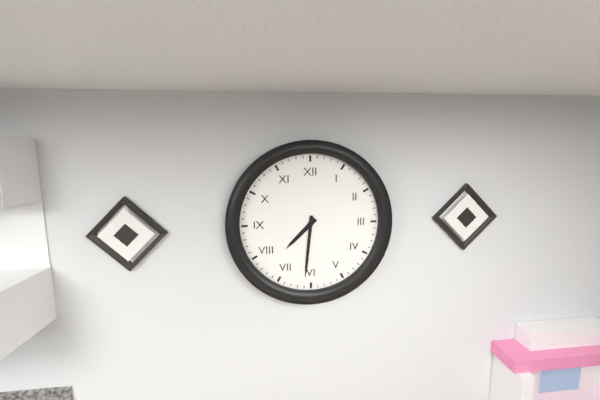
7:31
